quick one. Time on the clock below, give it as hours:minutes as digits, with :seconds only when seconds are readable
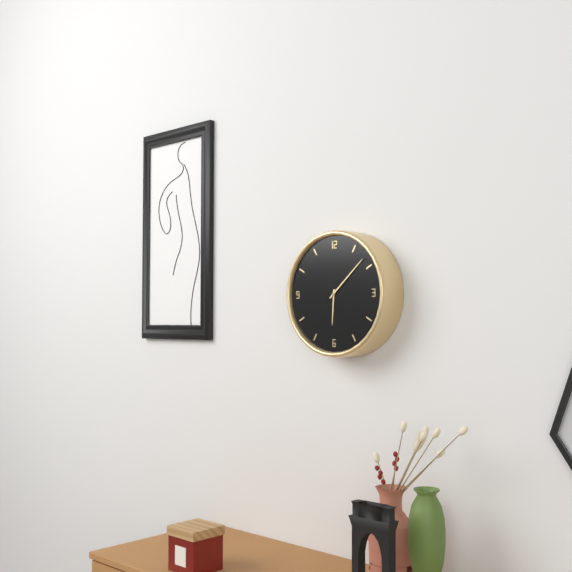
6:08
